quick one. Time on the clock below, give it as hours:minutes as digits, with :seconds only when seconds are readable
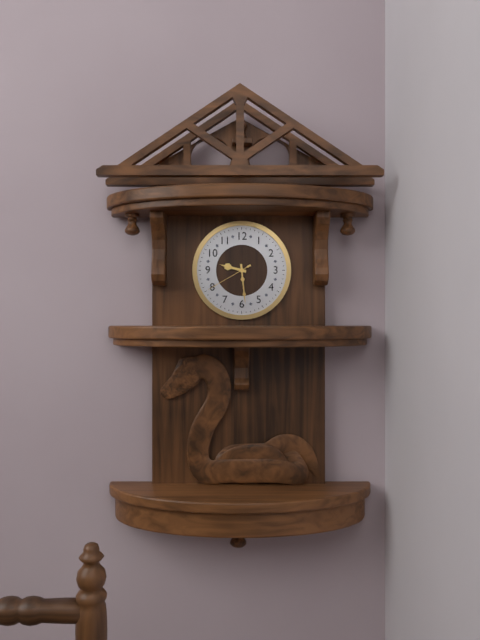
9:29
